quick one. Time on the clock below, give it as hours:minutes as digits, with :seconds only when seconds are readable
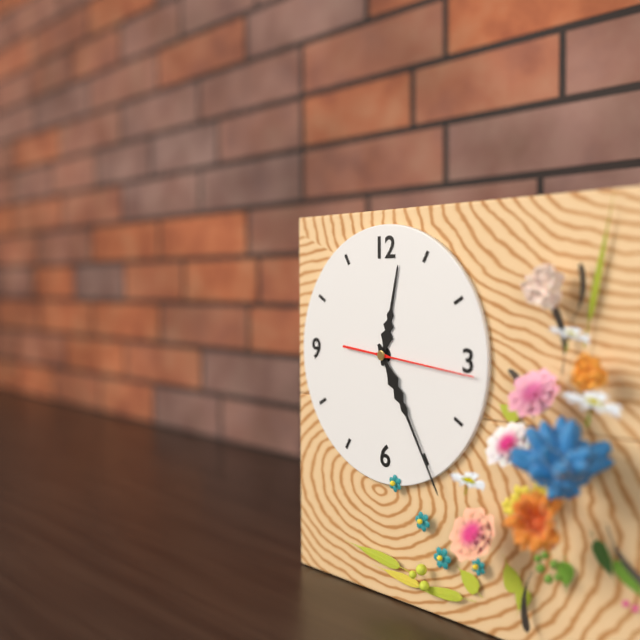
12:25:16
